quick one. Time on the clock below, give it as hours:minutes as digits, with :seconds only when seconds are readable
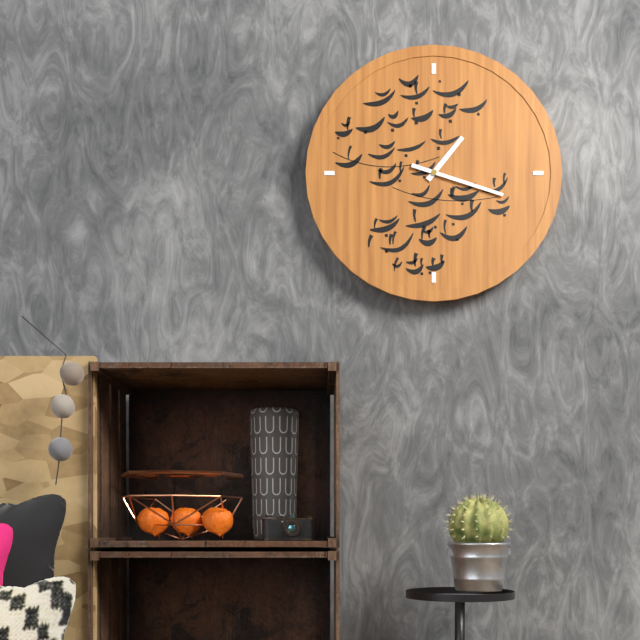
1:18
